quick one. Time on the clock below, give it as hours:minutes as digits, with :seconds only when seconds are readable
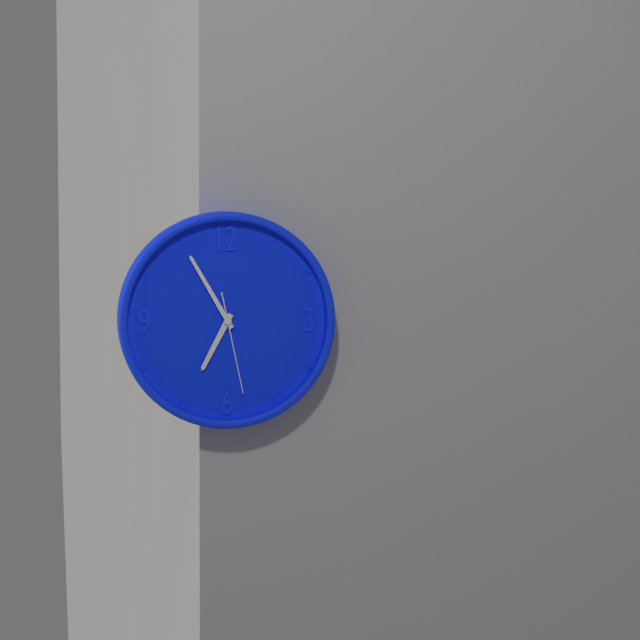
6:55:28
